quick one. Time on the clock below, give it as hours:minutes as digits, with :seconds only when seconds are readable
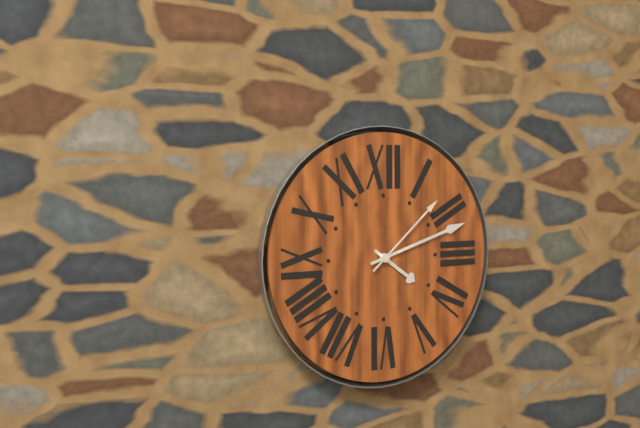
4:12:08
